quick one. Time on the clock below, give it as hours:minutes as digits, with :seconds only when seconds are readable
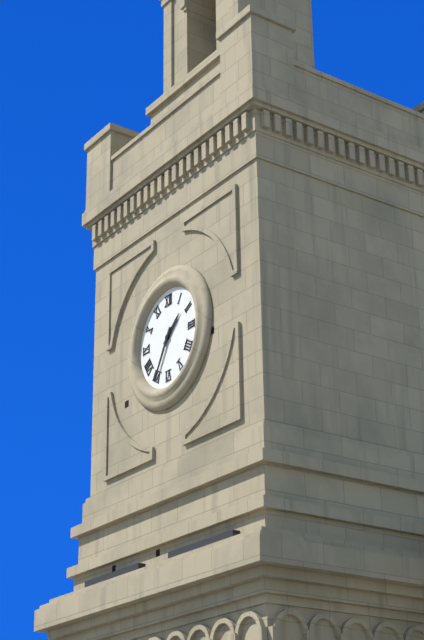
1:35
